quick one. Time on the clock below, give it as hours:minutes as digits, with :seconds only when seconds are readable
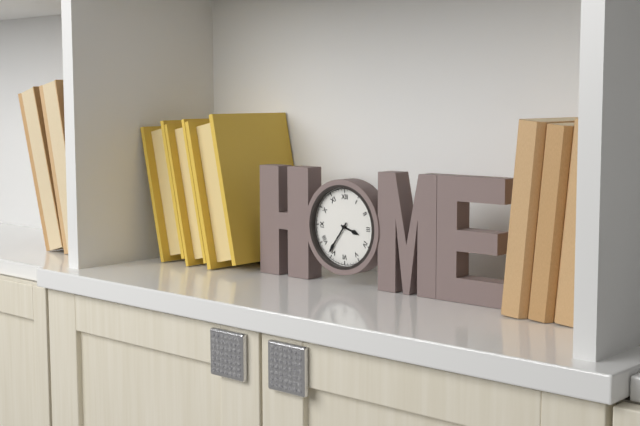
3:36
